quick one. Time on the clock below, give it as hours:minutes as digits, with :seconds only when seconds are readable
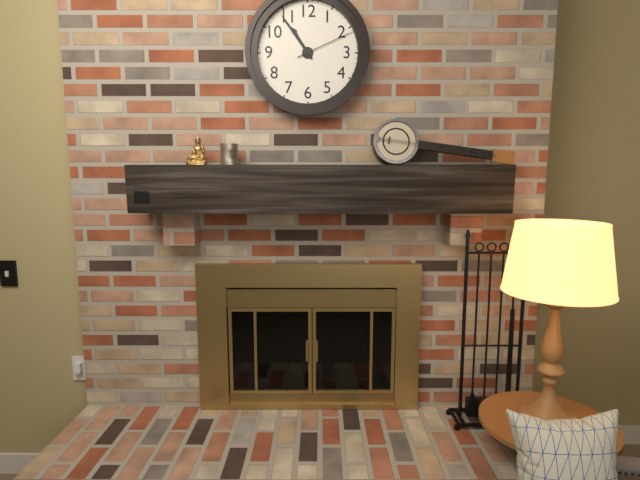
10:54:11
